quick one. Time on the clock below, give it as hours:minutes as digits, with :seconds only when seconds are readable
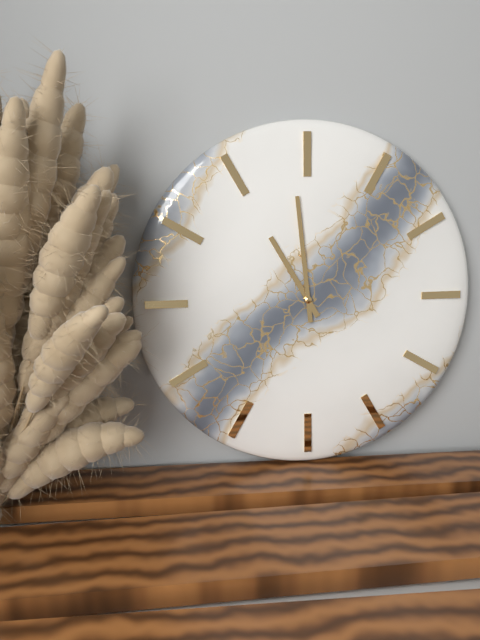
10:59
